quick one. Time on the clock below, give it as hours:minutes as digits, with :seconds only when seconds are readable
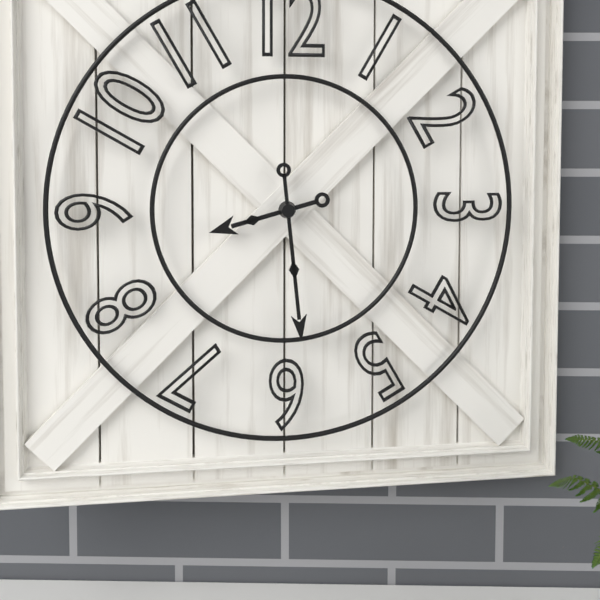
8:29
